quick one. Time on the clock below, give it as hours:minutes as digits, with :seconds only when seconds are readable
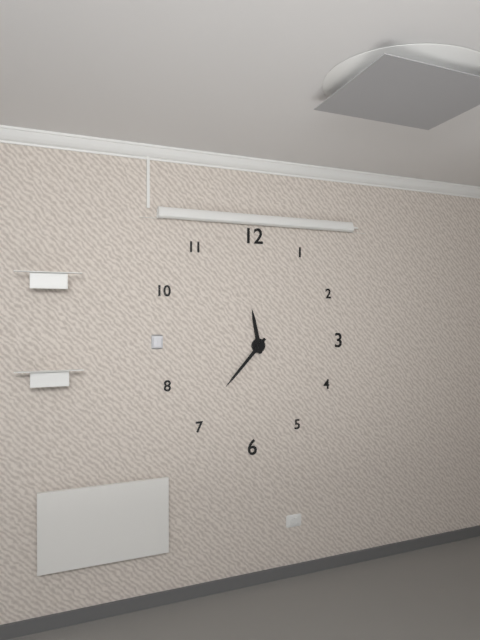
11:37
